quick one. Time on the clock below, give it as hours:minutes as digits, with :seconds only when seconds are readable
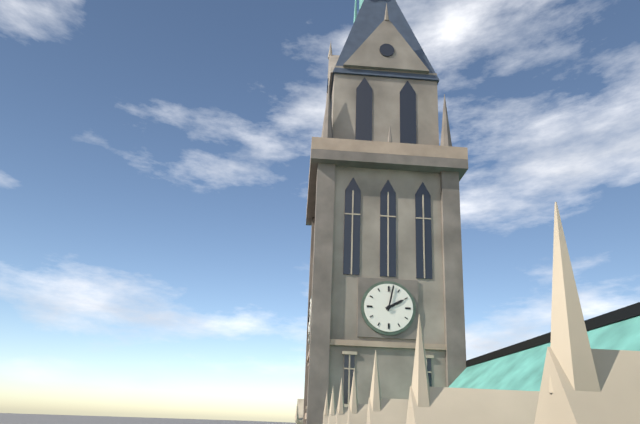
2:02
